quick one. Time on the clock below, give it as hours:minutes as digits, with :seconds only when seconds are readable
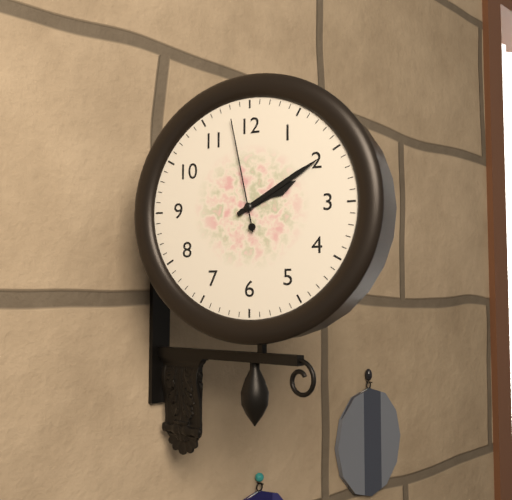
2:10:58
